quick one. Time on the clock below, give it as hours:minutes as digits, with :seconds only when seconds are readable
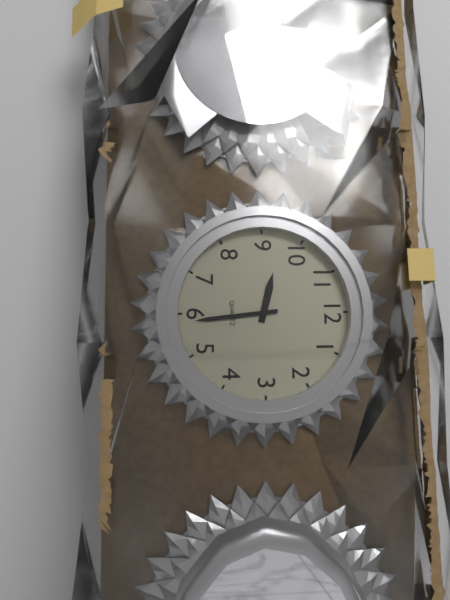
9:29
